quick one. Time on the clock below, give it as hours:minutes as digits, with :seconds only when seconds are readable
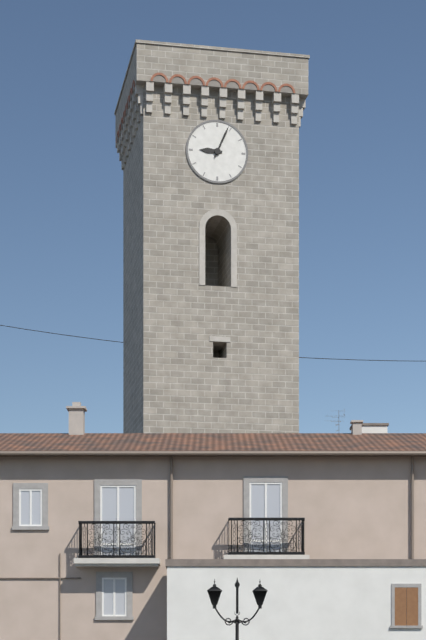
9:04
